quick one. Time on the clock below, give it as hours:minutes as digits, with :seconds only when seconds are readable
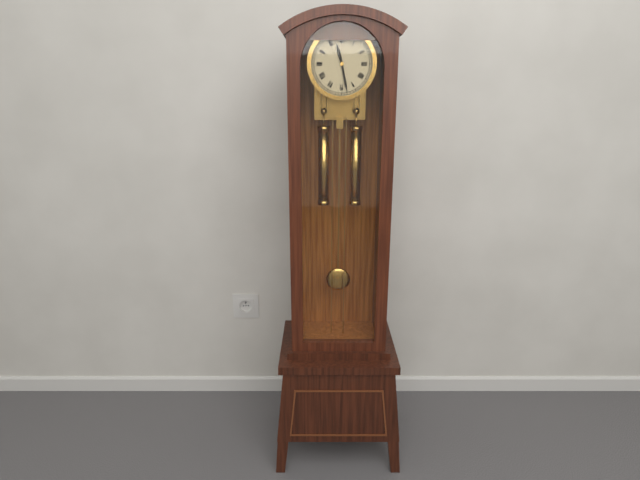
11:28
